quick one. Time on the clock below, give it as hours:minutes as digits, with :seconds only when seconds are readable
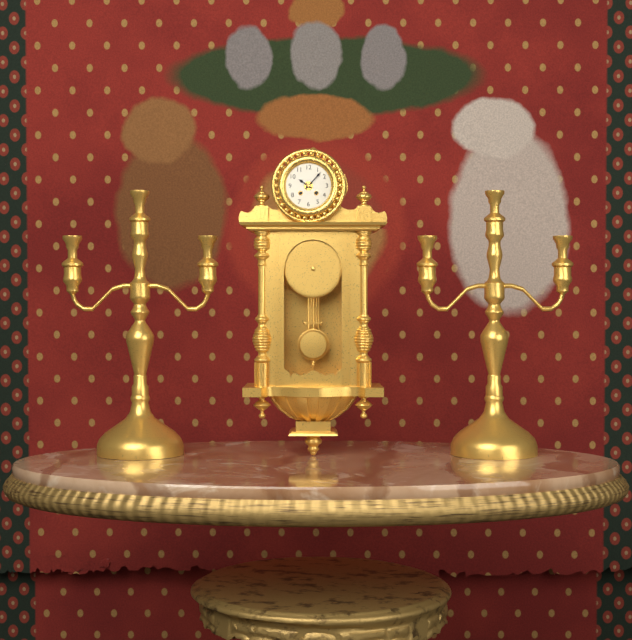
10:07
